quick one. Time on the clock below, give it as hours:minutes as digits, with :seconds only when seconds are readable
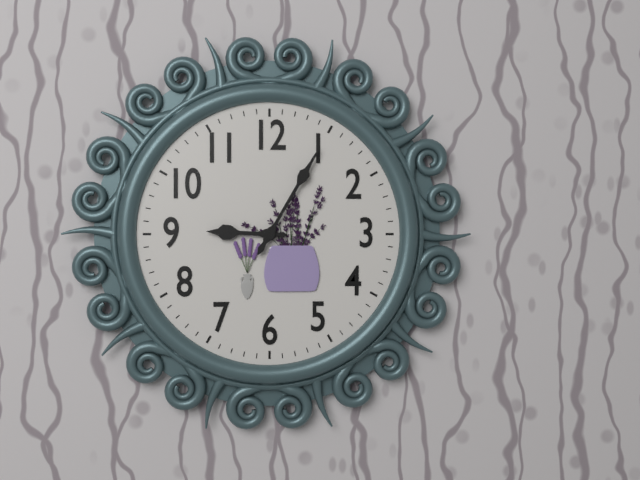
9:05
